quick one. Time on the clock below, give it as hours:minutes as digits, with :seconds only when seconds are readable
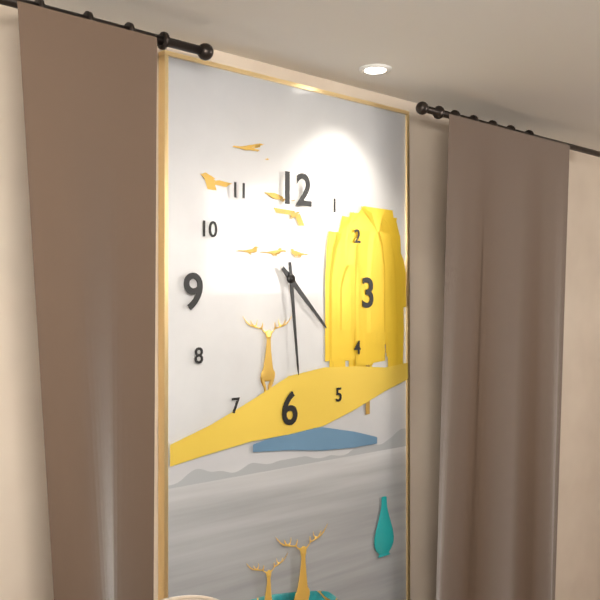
4:29
